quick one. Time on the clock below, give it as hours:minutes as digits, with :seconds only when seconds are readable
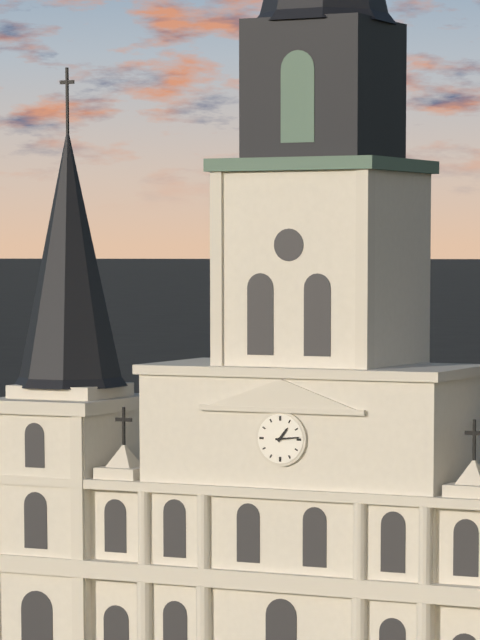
1:14
